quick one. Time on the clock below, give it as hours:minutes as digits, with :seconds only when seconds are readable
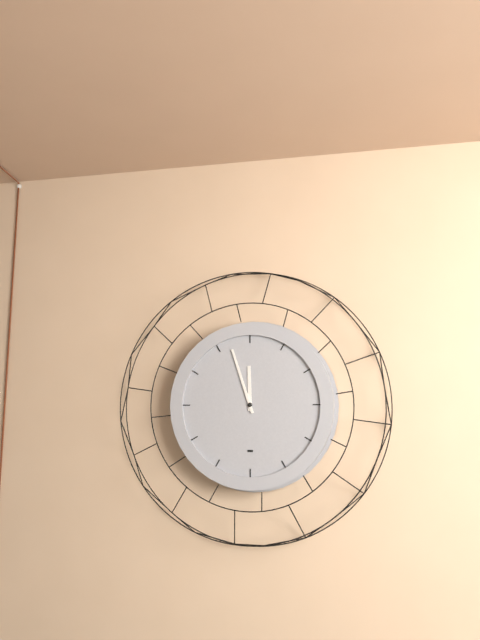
11:57
